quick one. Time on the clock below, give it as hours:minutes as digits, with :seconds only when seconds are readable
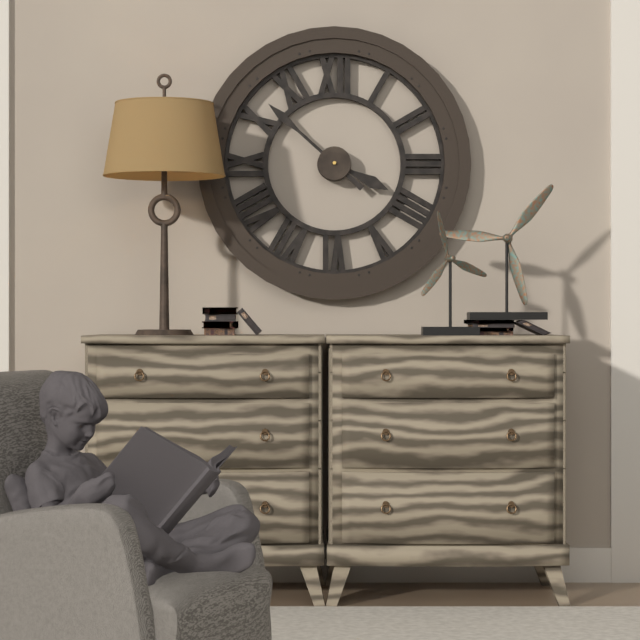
3:52
